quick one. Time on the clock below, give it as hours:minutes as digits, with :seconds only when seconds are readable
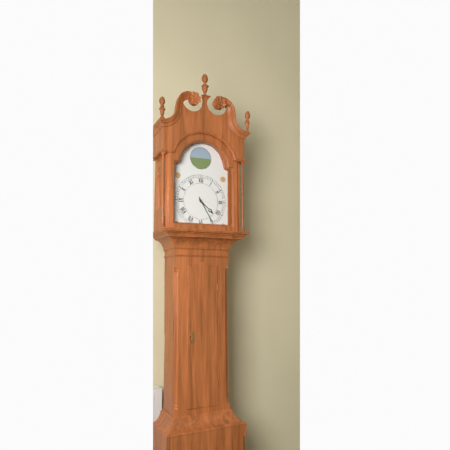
4:25
